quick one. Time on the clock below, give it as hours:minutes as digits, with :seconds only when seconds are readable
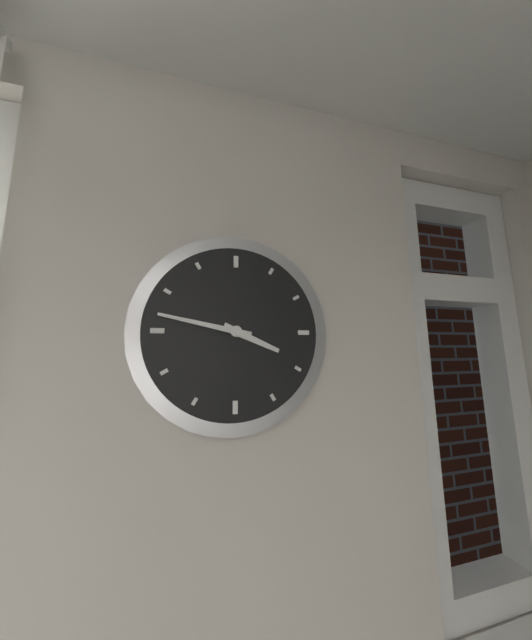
3:47
